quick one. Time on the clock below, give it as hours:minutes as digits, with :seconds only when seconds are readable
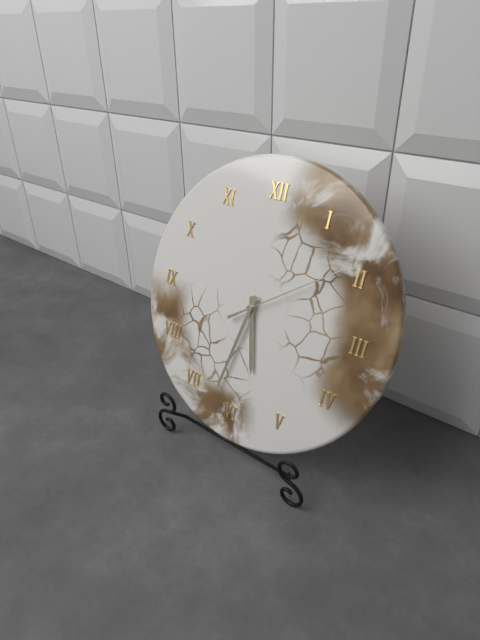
5:32:09
